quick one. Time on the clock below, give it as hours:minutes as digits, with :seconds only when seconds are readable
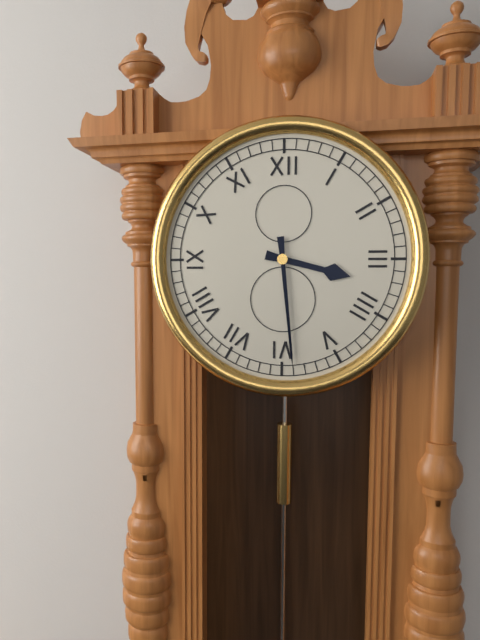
3:29
